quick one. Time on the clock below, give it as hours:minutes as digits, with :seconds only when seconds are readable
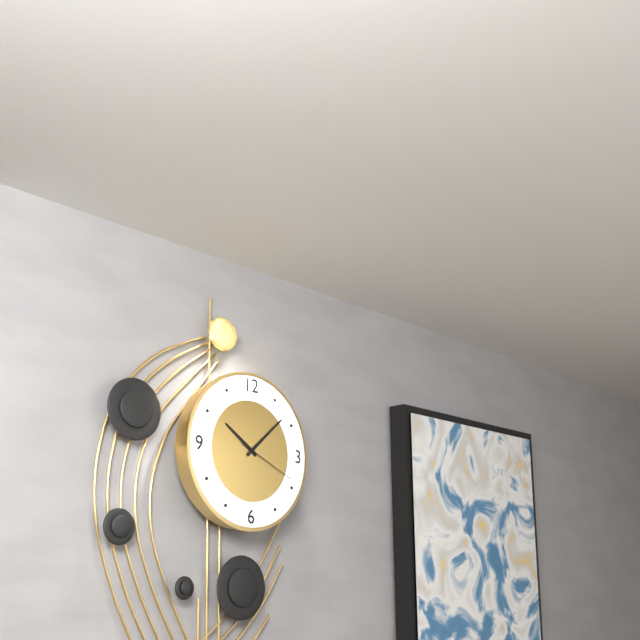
10:08:19
